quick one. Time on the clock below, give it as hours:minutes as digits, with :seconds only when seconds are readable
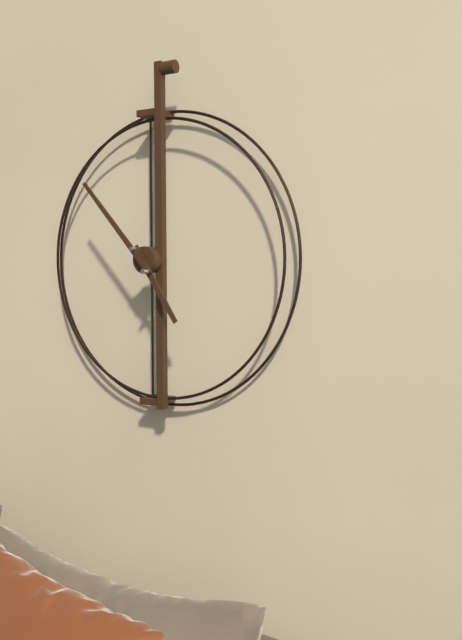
4:53
